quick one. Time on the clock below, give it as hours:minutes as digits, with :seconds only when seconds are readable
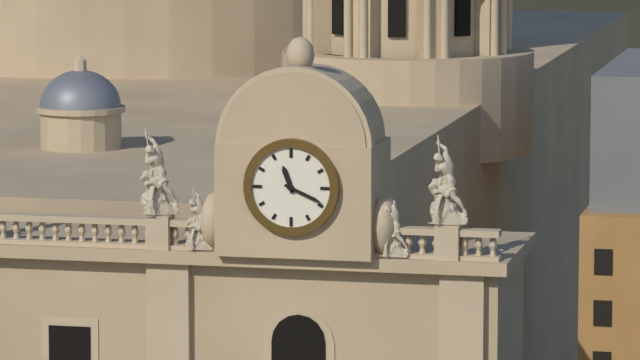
11:19
